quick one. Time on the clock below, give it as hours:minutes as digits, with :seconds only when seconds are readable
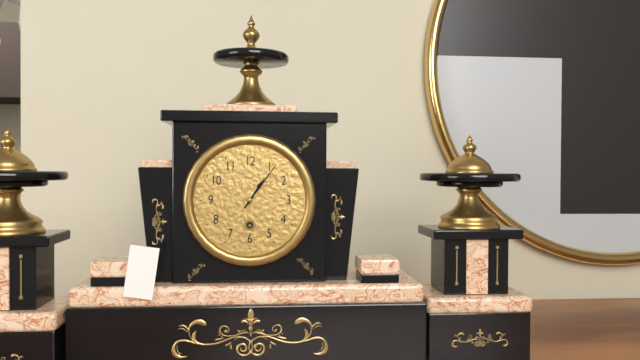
1:06
